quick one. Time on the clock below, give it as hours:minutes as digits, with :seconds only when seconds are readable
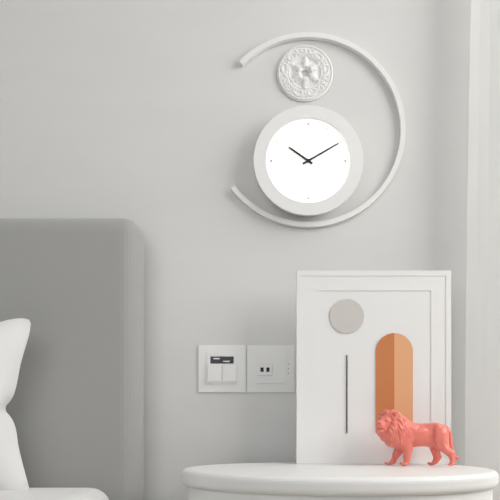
10:10
